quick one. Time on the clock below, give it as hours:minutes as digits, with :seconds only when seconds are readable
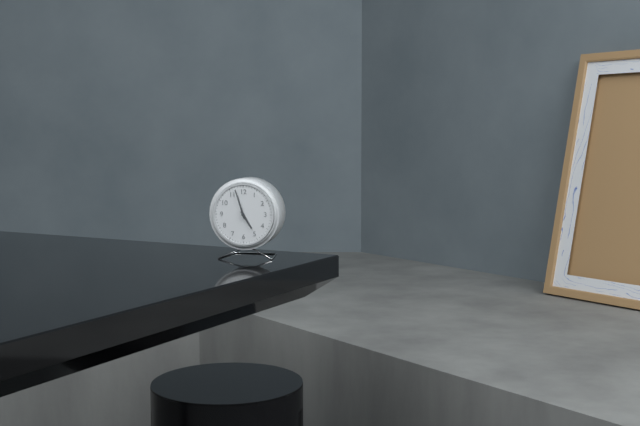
4:57
